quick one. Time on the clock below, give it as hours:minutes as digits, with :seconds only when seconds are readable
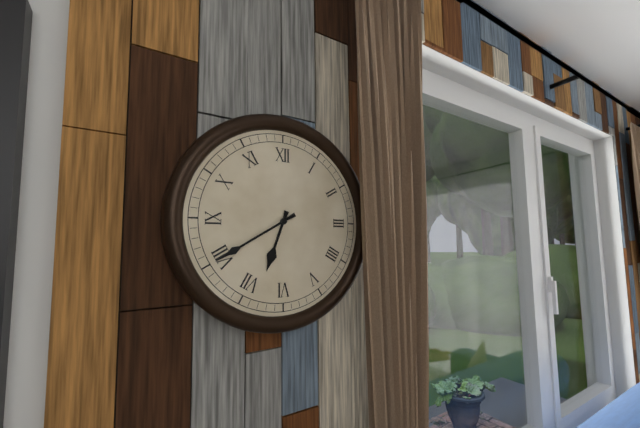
6:40
